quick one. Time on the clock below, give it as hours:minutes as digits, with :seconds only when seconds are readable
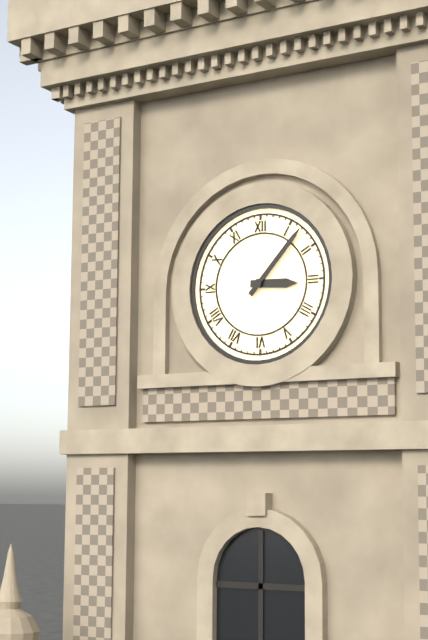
3:07
